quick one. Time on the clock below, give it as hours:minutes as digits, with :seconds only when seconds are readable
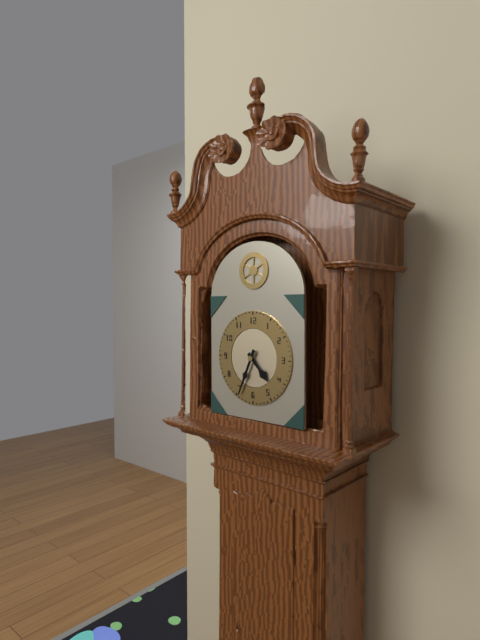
4:34
